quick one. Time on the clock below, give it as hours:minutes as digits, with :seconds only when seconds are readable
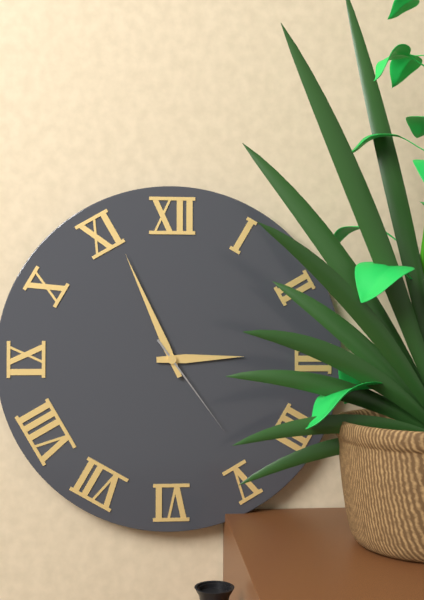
2:56:24
